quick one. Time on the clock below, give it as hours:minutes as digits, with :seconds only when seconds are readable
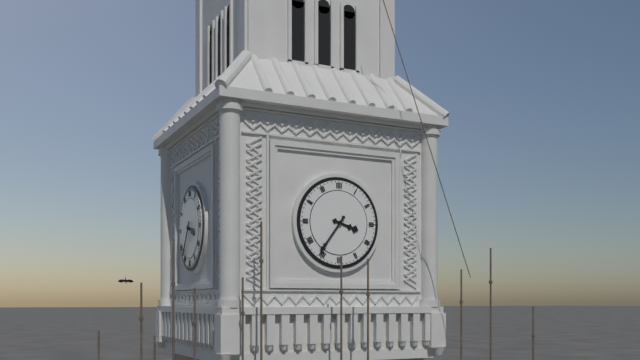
3:36
